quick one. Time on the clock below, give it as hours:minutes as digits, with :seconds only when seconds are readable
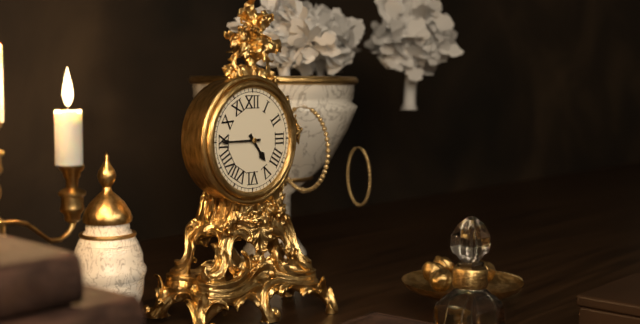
4:45
